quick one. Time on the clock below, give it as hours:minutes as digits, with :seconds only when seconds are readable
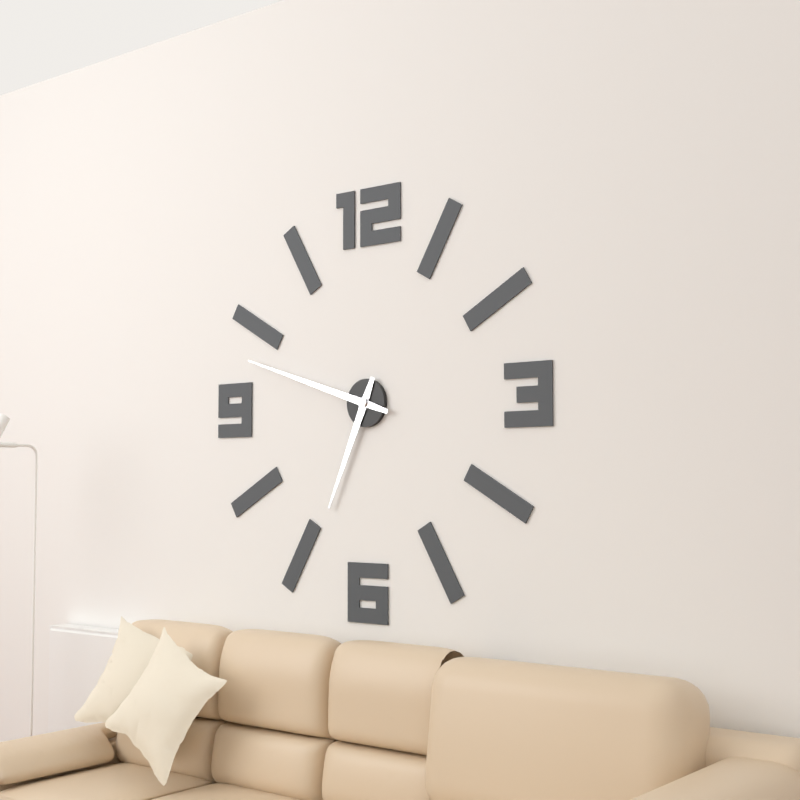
6:48
